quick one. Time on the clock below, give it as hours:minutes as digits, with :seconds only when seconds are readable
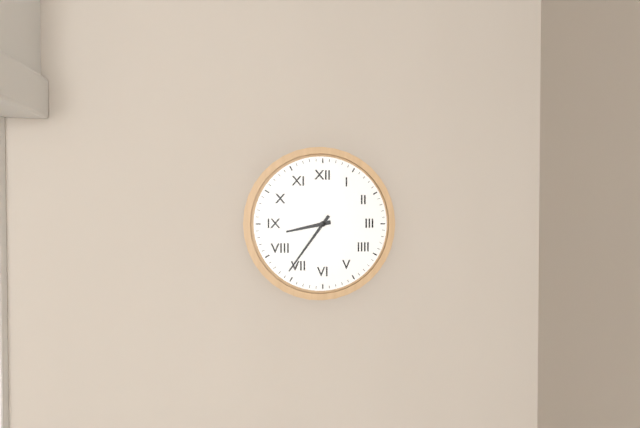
8:36
